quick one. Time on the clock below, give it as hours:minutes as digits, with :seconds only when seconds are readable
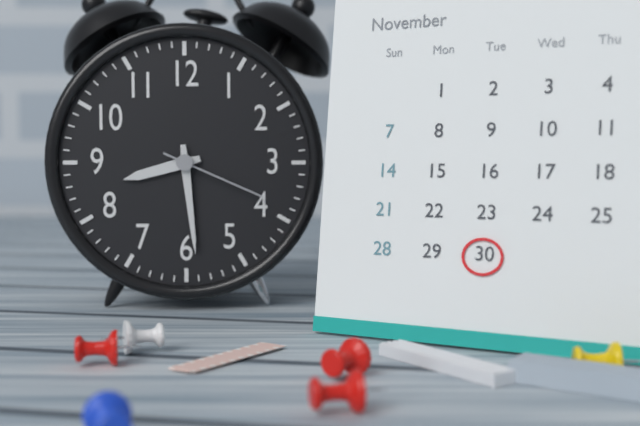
8:29:19
